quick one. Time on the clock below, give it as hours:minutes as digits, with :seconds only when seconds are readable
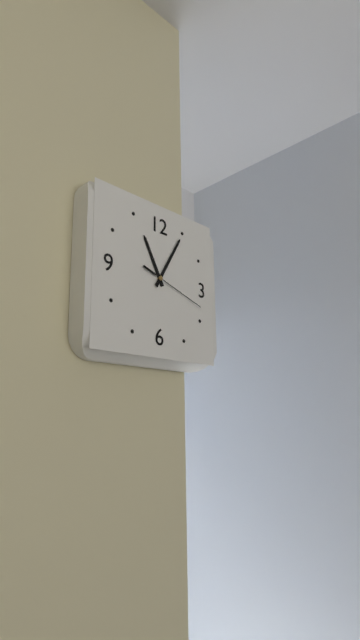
11:05:18
